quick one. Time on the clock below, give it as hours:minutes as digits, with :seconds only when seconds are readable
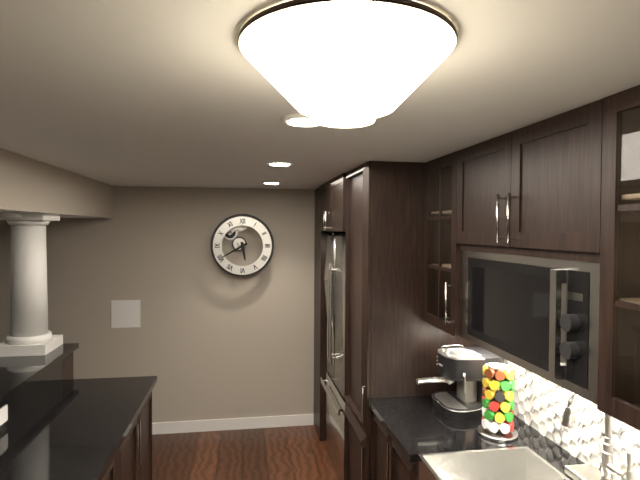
5:40
